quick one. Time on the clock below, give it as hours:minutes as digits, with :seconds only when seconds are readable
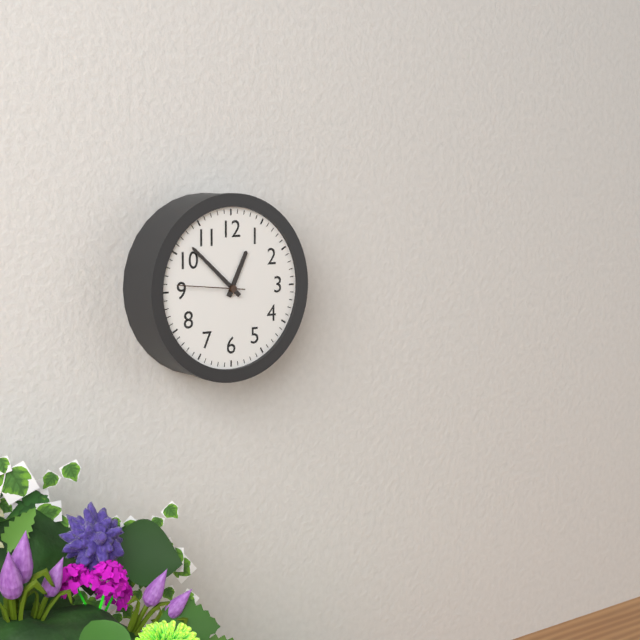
12:52:46
